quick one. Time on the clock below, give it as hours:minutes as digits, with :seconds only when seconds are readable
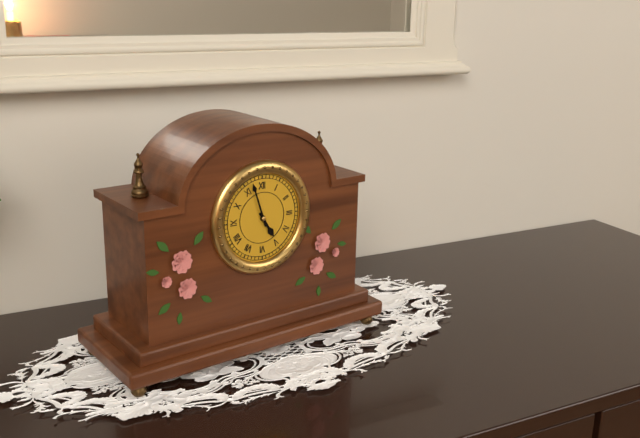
4:57
